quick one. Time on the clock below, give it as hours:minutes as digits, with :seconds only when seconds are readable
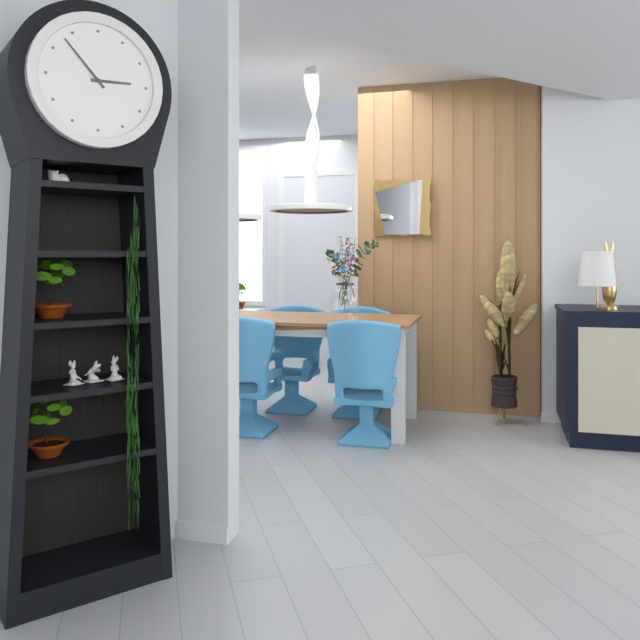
2:53
